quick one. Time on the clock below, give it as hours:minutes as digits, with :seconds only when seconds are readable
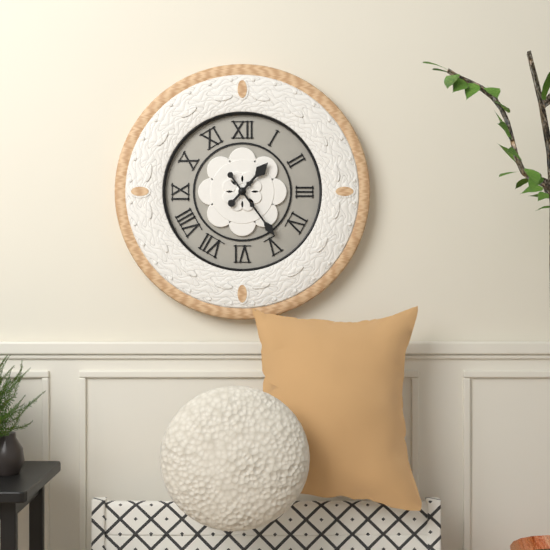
1:24
